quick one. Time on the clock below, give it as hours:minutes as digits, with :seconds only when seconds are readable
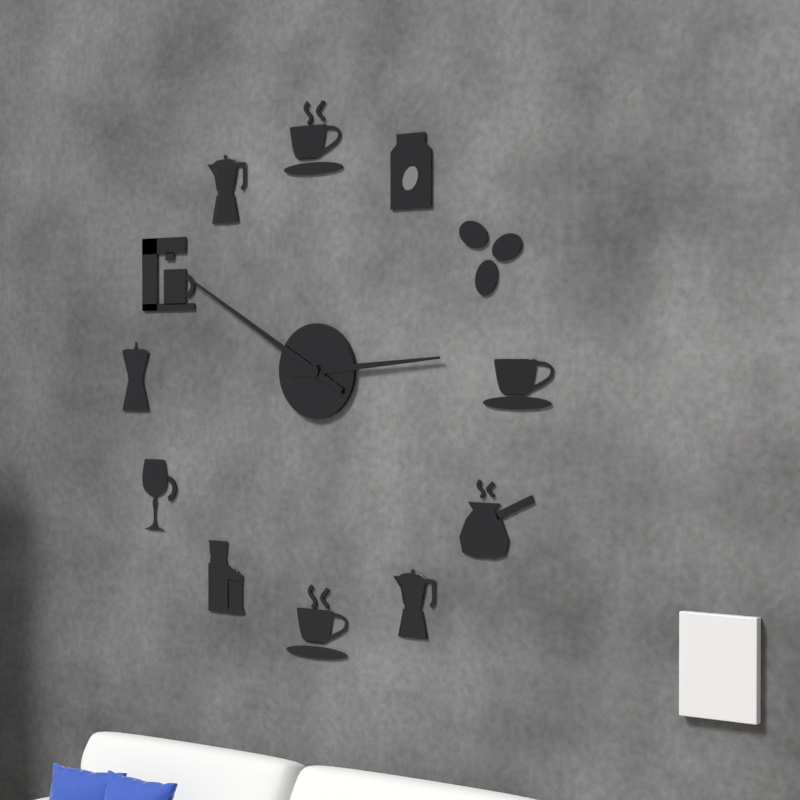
2:50
